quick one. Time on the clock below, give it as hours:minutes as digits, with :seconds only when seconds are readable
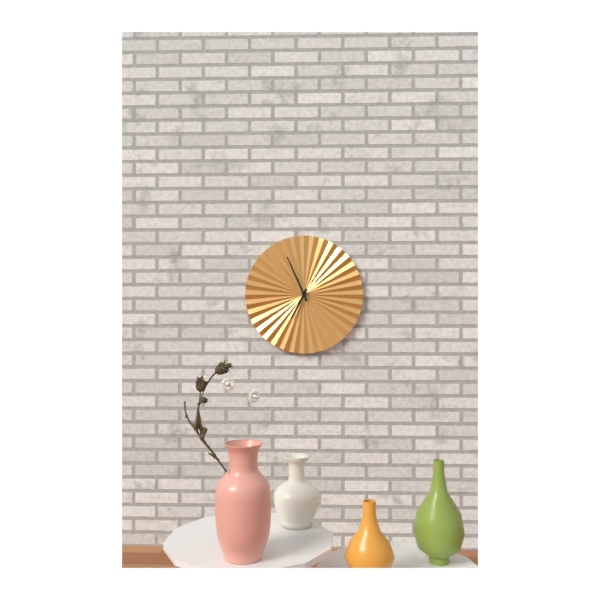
6:56
